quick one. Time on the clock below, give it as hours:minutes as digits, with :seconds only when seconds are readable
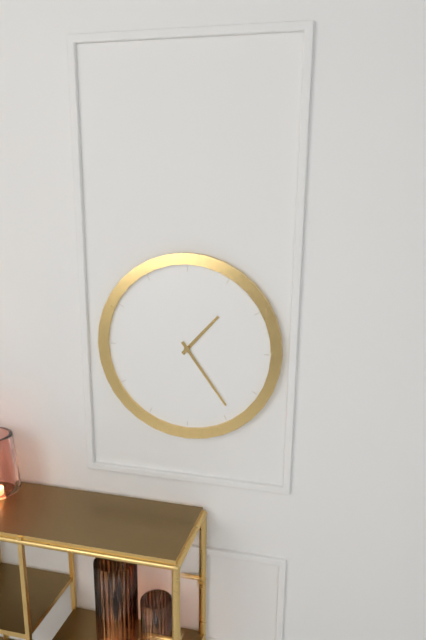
1:24
